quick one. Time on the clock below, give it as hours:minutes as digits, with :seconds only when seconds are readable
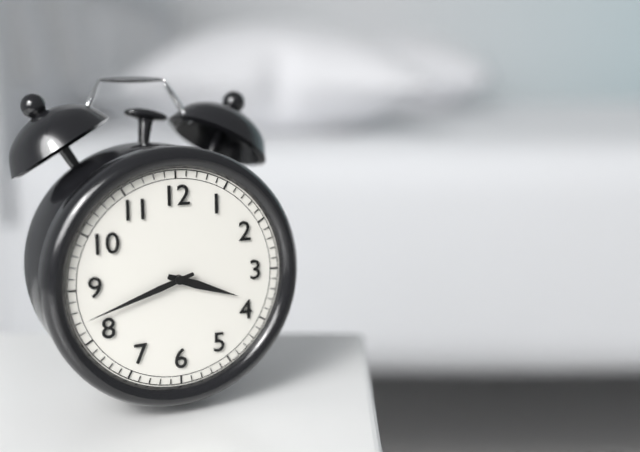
3:42
